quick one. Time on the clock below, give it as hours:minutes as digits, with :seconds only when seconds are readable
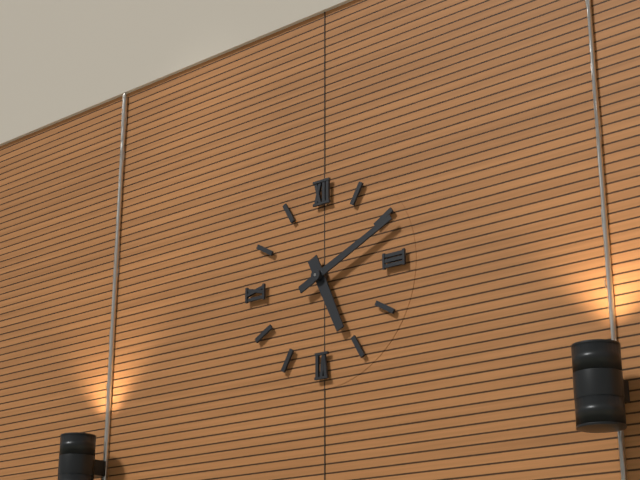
5:11
